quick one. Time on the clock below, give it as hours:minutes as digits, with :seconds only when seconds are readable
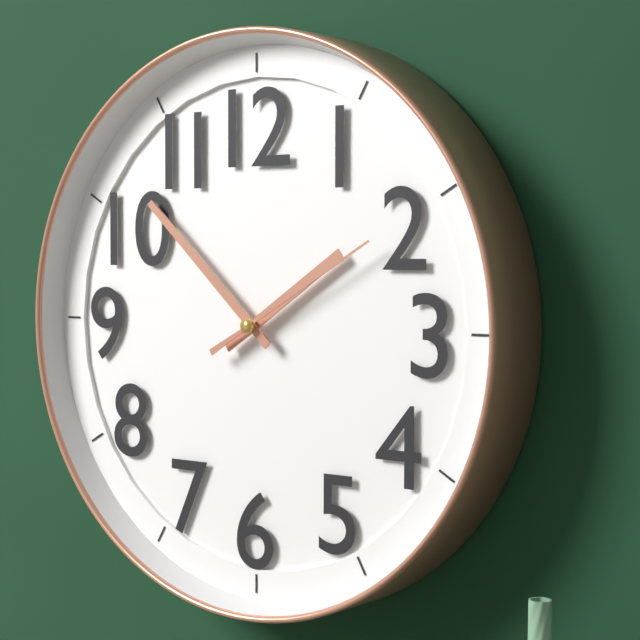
1:52:10
